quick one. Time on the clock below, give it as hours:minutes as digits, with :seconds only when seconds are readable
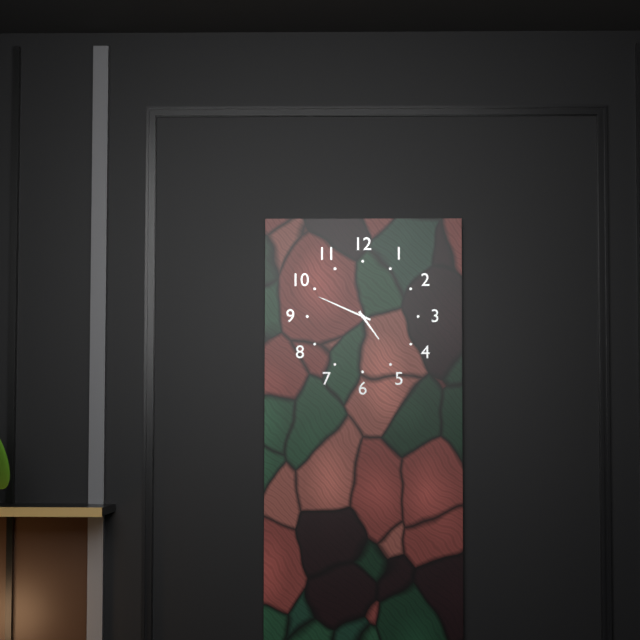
4:49
